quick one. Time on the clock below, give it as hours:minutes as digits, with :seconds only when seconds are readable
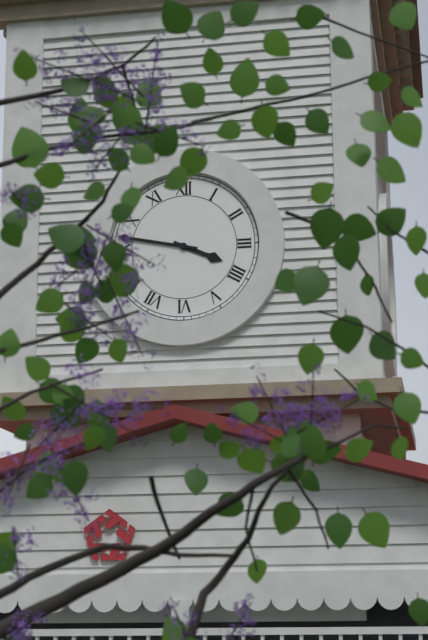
3:47
